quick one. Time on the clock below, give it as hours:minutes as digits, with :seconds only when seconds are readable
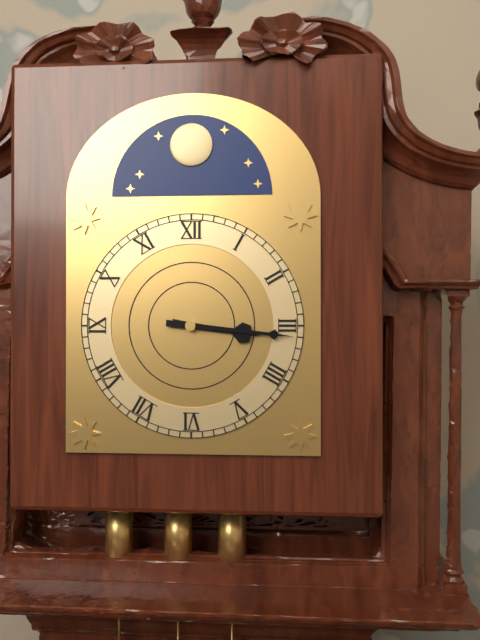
3:16
